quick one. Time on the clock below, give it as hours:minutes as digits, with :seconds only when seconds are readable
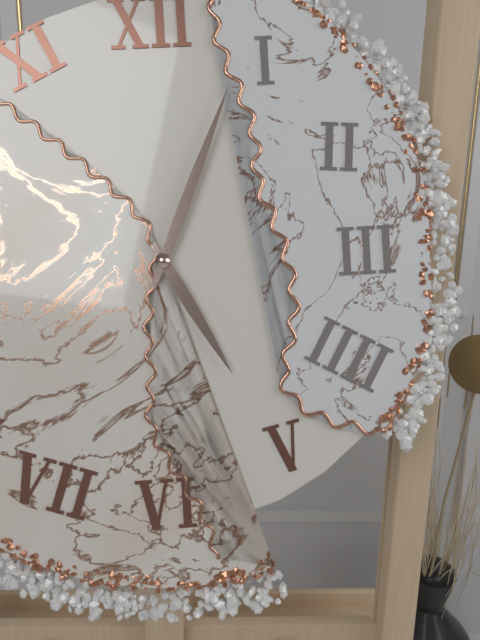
5:04
